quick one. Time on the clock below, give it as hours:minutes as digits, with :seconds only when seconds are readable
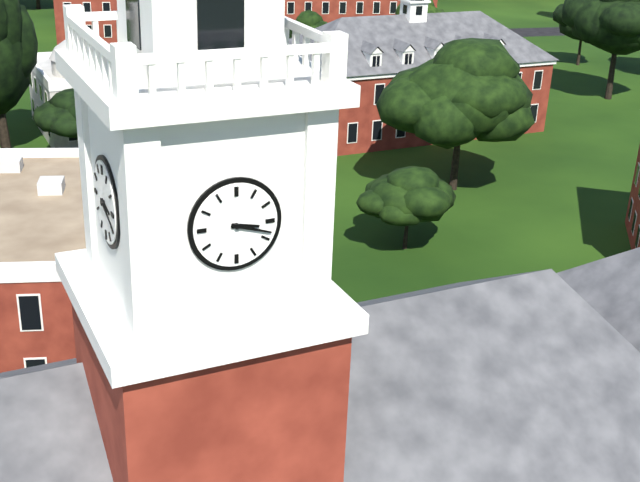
3:18
